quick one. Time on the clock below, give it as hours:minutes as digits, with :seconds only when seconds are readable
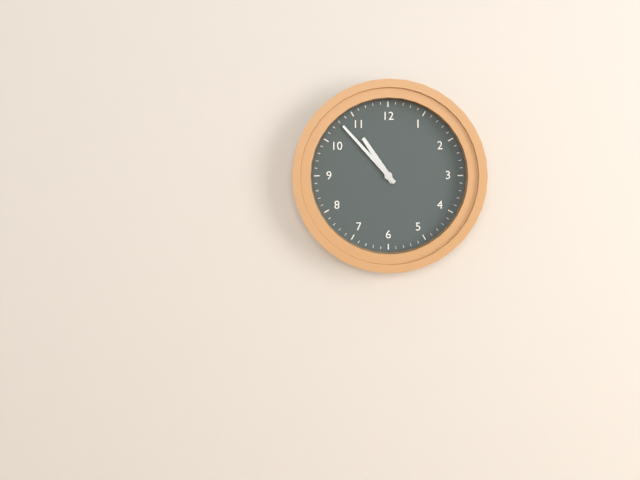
10:53
